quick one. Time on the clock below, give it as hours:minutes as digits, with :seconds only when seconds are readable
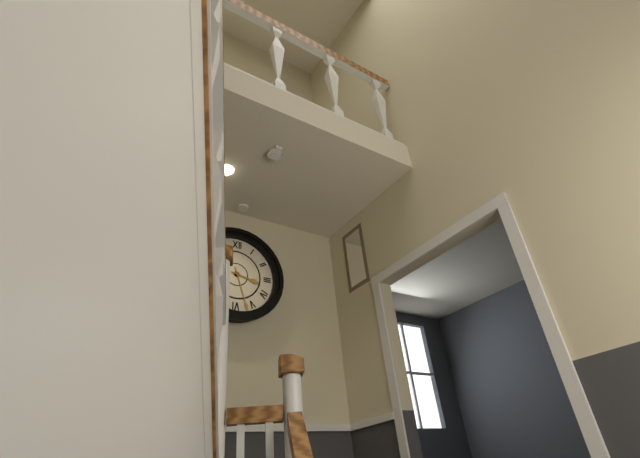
3:27
